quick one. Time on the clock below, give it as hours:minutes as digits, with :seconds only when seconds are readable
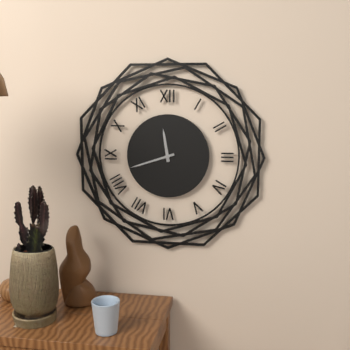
11:42
